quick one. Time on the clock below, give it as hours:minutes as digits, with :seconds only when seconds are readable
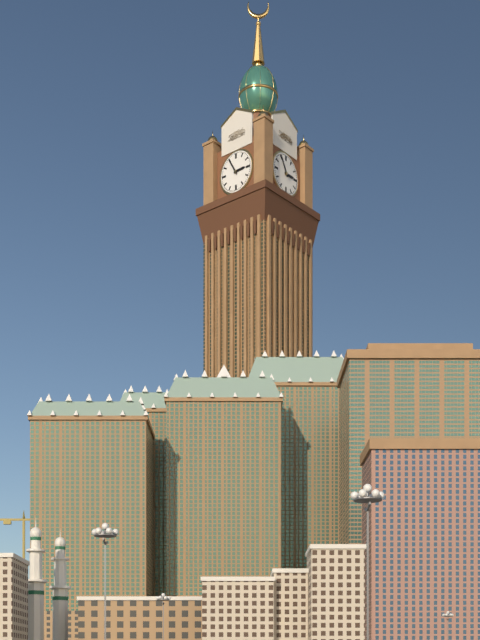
2:55
